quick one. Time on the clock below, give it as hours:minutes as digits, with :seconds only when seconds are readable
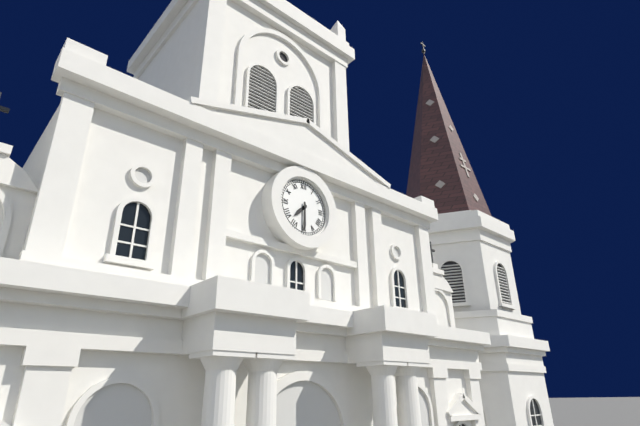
7:30
